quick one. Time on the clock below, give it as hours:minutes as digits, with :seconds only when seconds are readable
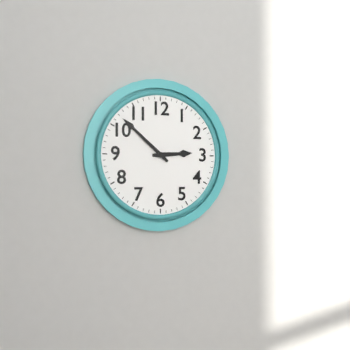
2:52
